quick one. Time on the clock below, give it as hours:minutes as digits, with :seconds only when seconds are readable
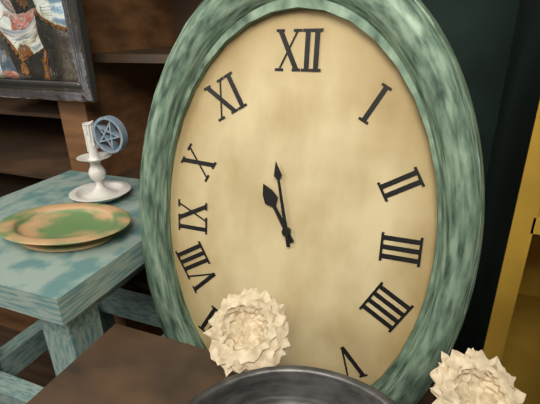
10:58
